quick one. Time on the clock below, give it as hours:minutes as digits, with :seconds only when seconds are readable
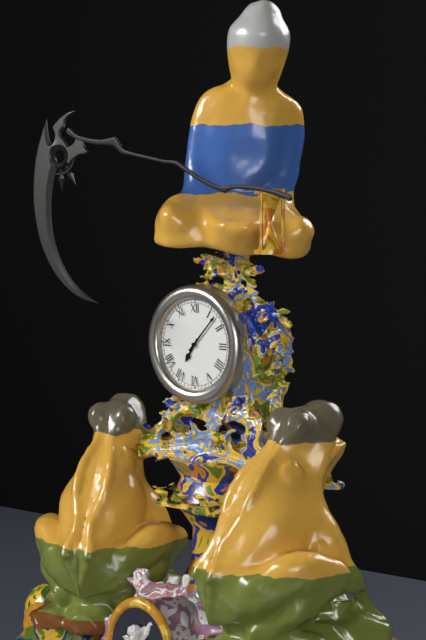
7:07
